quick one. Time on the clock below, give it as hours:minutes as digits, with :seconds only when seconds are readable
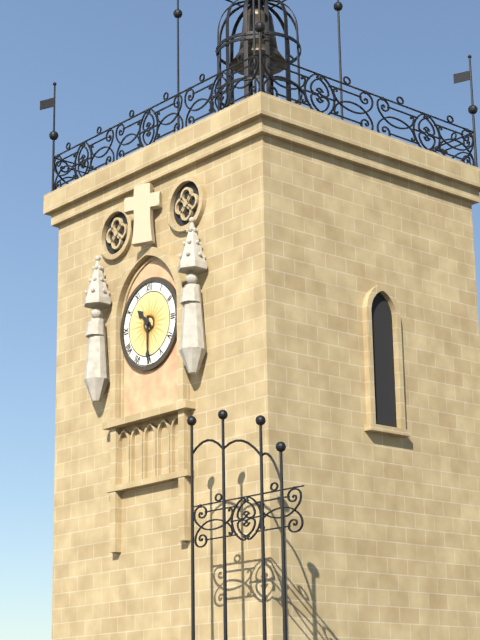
10:30
